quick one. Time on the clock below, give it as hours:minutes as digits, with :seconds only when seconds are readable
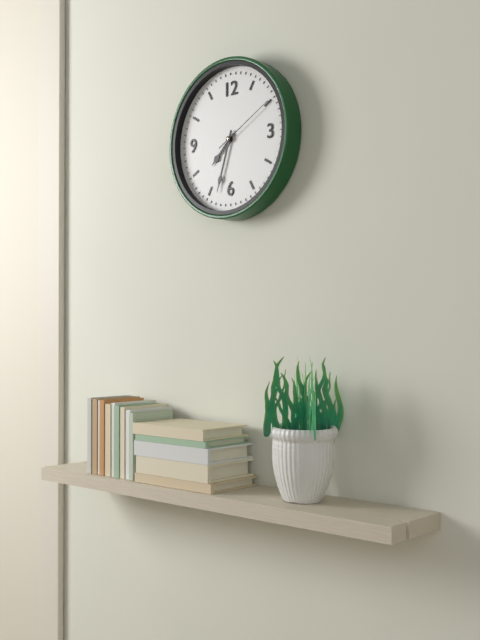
7:33:10
